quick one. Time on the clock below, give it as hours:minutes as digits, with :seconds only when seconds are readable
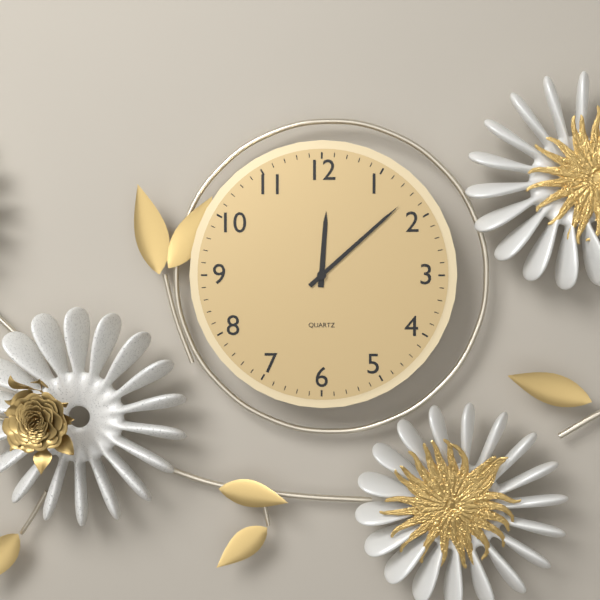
12:08
